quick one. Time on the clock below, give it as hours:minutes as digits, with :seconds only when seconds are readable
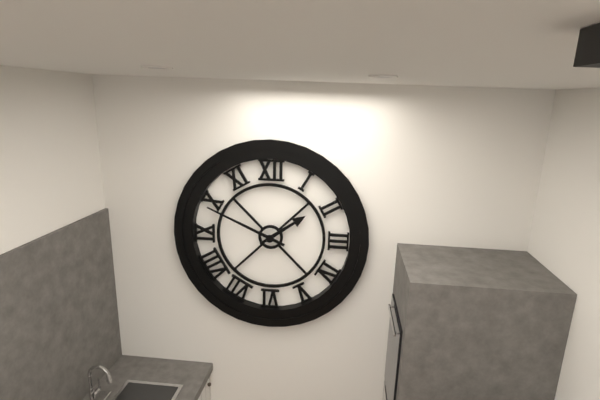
1:49
